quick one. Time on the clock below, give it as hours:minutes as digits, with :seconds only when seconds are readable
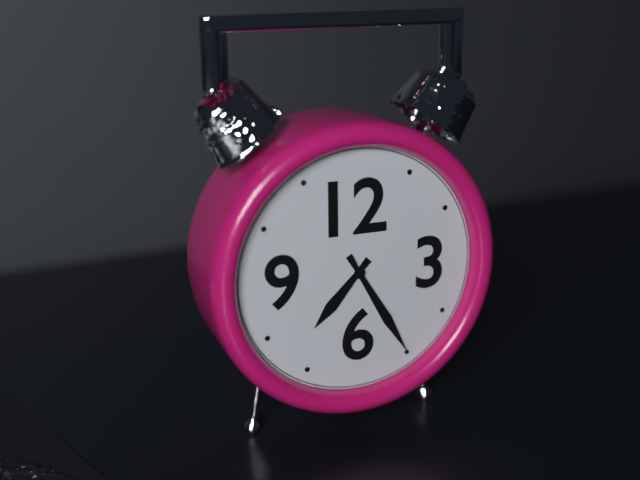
7:25
